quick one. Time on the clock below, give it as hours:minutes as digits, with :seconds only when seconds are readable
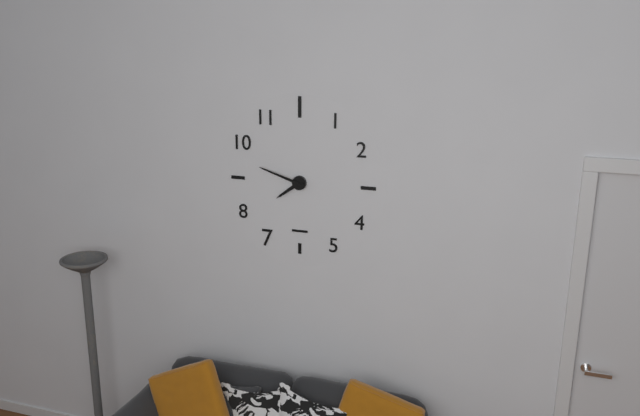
7:48
